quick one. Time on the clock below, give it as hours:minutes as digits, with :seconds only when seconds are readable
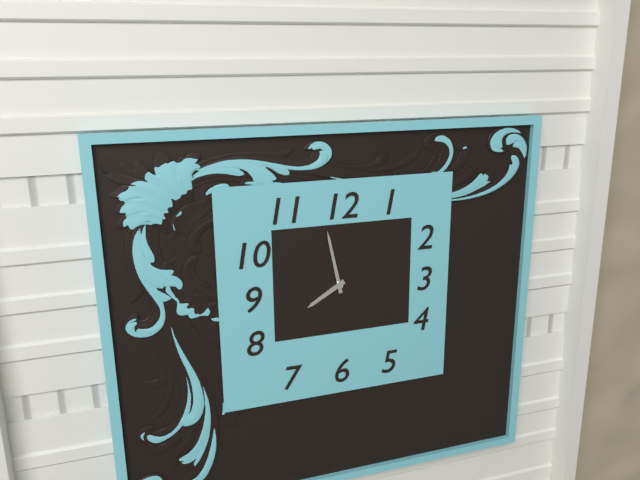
7:58
